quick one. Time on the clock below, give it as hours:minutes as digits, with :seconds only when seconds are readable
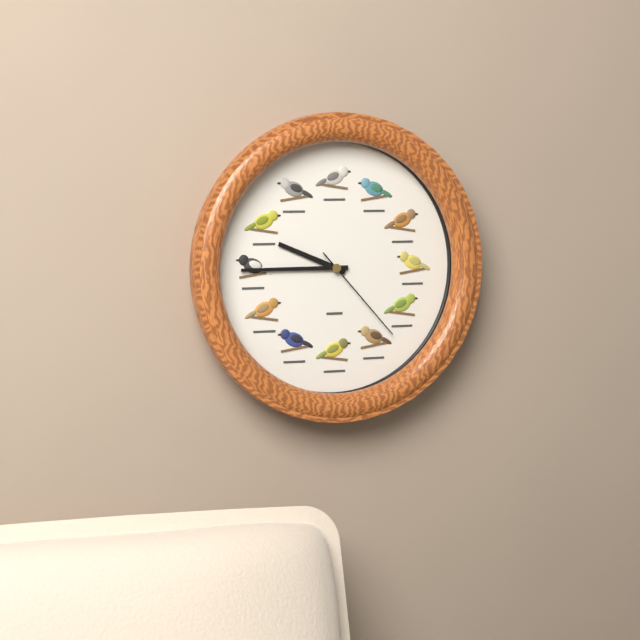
9:45:23
